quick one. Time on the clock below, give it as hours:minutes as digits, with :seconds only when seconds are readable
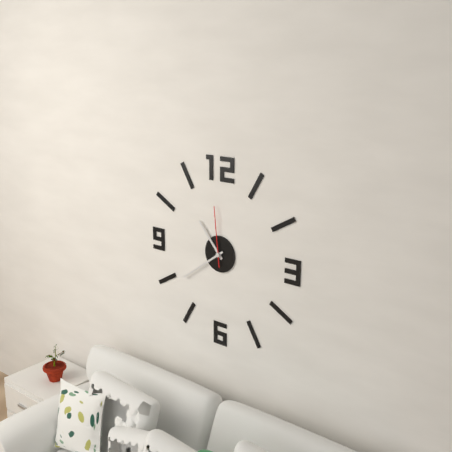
10:39:59
